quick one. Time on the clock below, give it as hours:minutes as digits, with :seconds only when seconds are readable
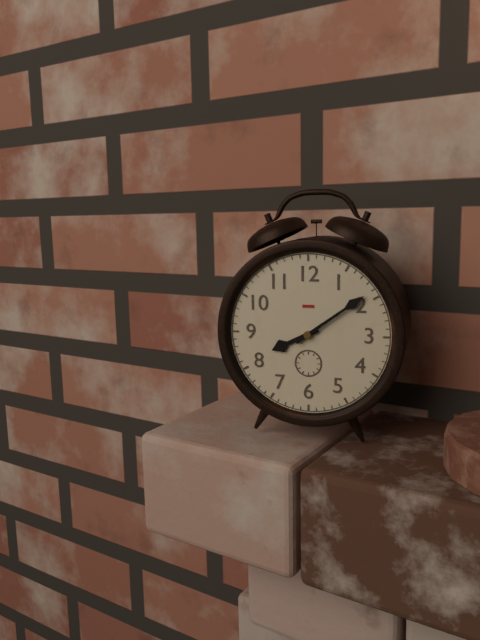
8:09
